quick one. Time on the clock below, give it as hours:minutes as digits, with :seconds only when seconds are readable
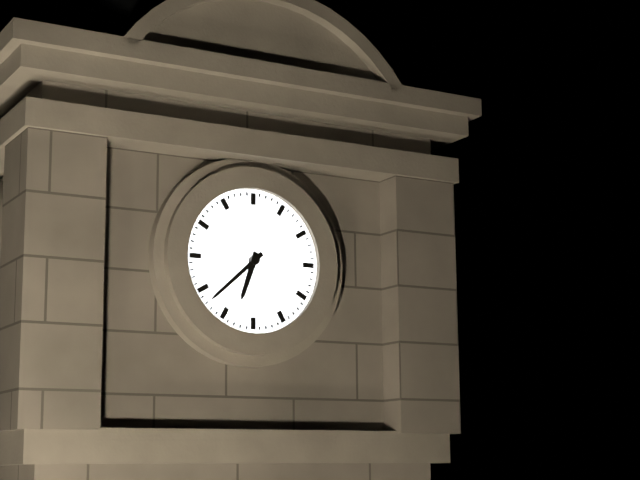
6:38
